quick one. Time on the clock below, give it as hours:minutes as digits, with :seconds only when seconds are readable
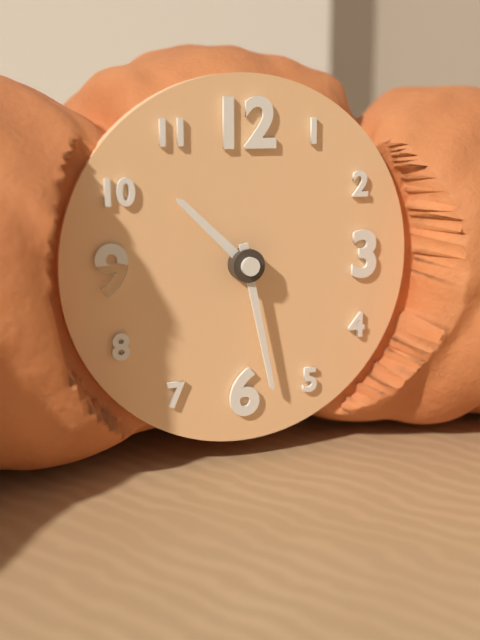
10:28
